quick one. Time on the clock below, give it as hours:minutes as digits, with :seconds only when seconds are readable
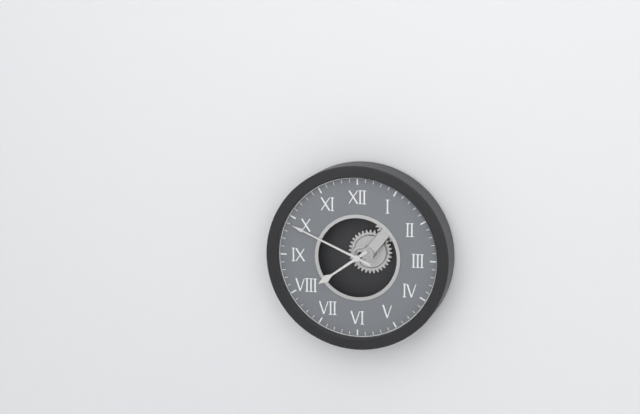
7:49
